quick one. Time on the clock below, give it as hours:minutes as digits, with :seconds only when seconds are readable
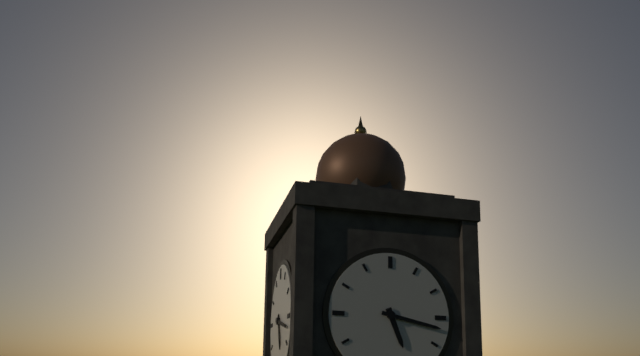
5:17
